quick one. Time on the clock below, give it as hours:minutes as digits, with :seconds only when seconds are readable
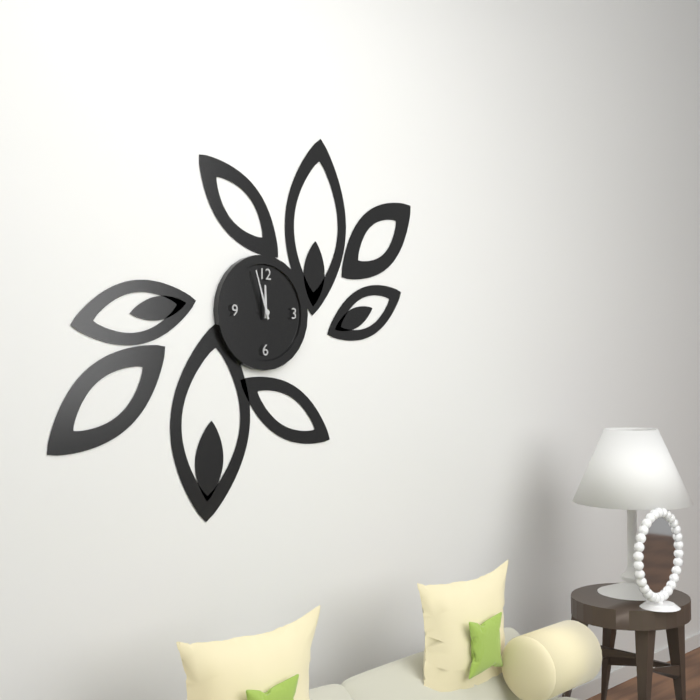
11:57
